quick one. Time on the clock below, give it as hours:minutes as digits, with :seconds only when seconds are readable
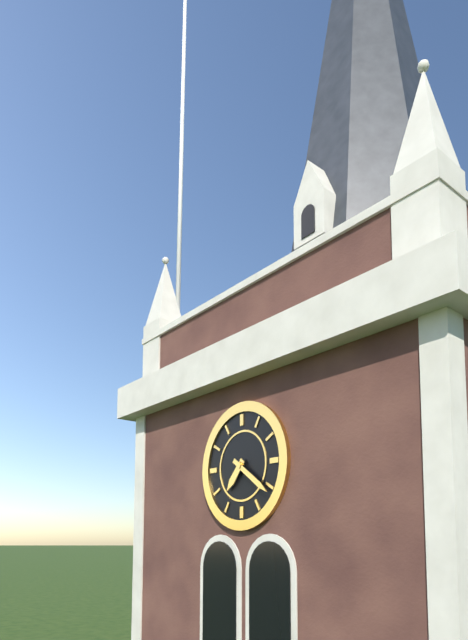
7:21
